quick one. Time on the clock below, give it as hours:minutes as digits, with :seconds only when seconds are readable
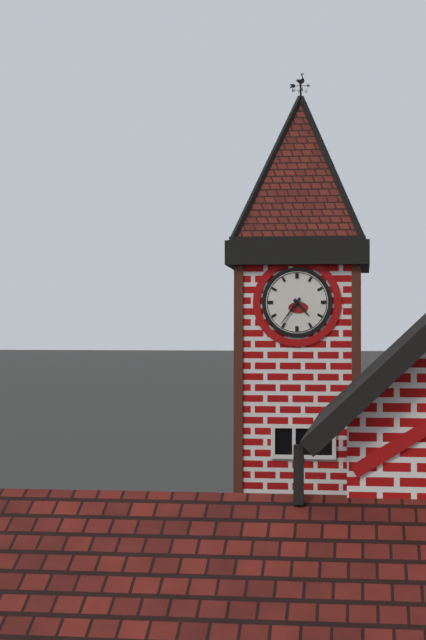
4:36
